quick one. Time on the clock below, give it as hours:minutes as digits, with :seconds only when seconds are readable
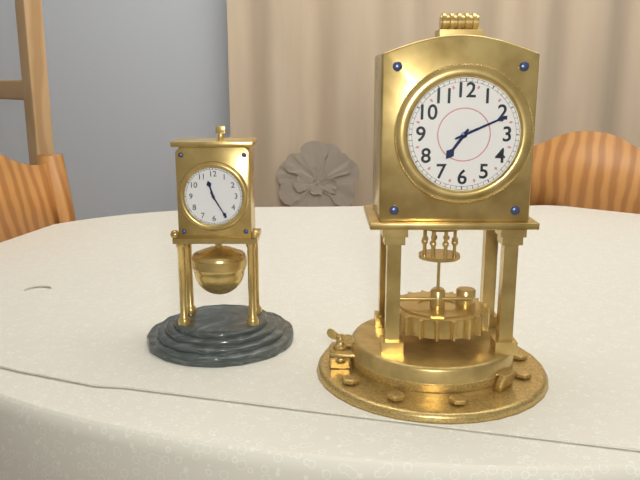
7:11
